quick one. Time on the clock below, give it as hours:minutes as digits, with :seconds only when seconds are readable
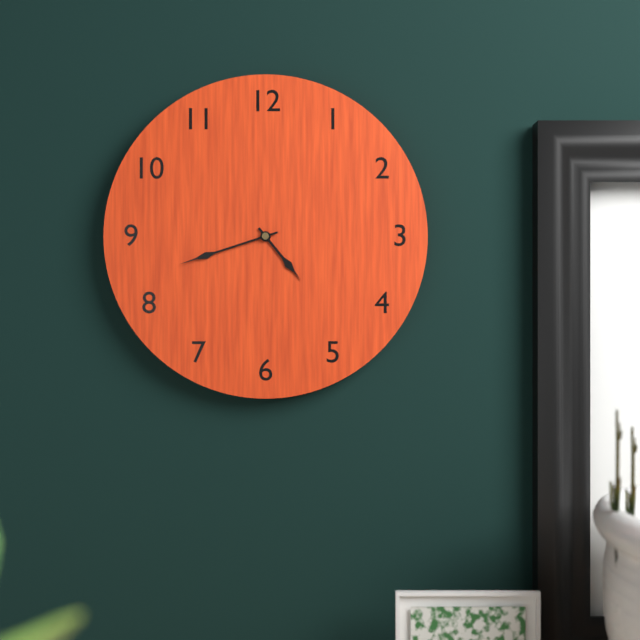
4:42
